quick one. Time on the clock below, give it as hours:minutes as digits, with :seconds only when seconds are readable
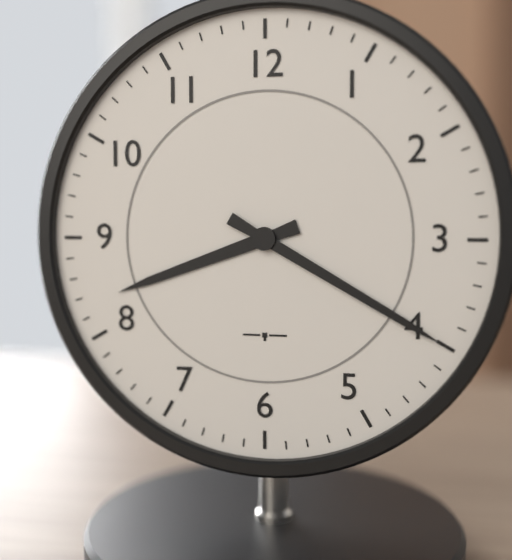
8:20
